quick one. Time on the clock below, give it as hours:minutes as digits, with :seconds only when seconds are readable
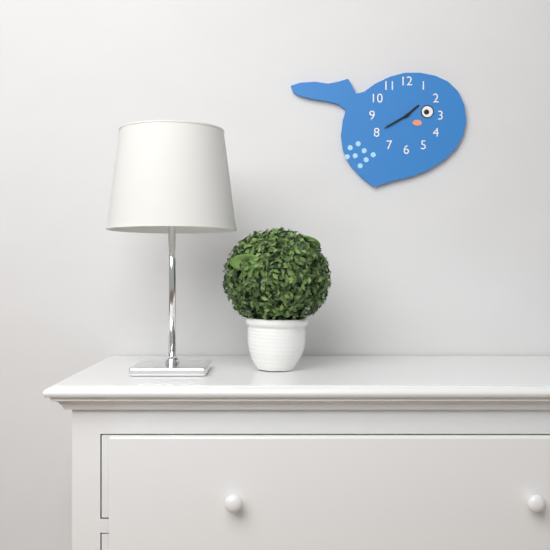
1:40
